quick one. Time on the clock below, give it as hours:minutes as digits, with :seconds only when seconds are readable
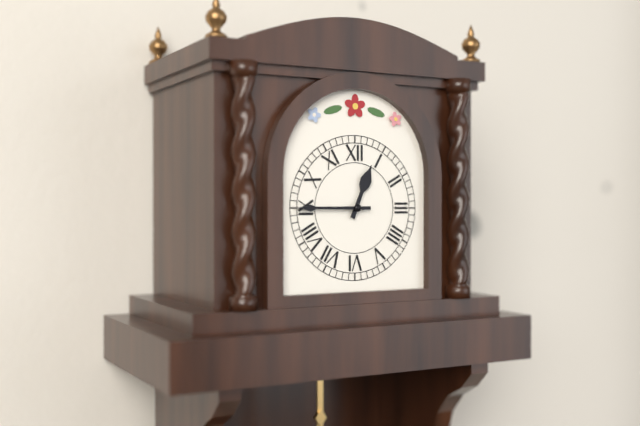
12:45
